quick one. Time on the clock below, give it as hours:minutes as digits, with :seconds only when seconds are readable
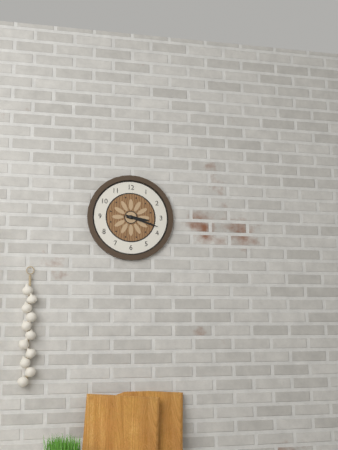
3:18
